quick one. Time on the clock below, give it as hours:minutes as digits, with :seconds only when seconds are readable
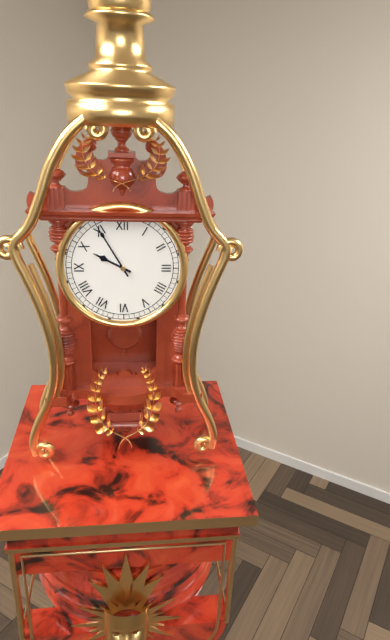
9:55
